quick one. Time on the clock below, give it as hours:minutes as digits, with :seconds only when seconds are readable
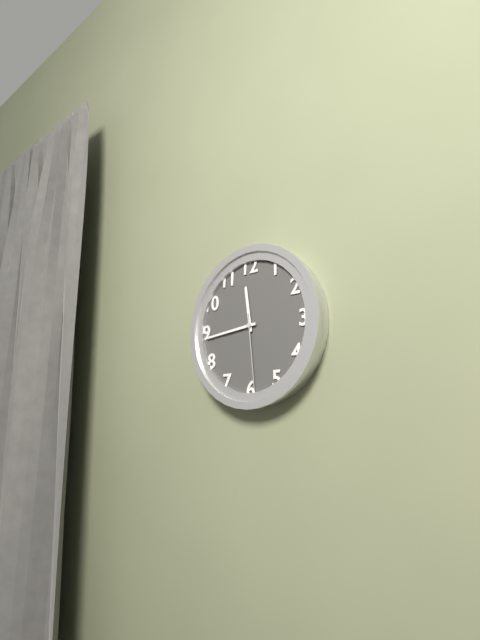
11:44:29
